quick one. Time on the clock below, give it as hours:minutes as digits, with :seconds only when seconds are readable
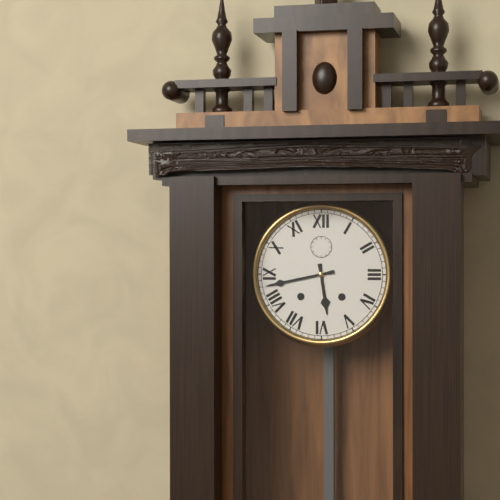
5:43
